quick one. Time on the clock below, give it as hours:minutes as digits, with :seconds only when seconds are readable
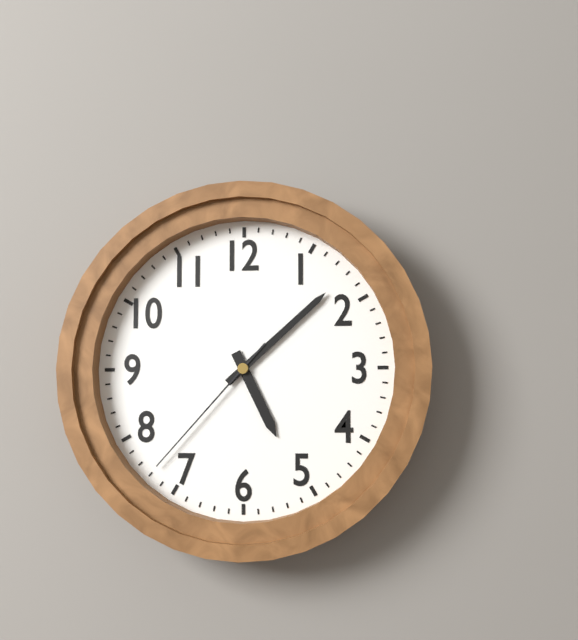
5:08:37
